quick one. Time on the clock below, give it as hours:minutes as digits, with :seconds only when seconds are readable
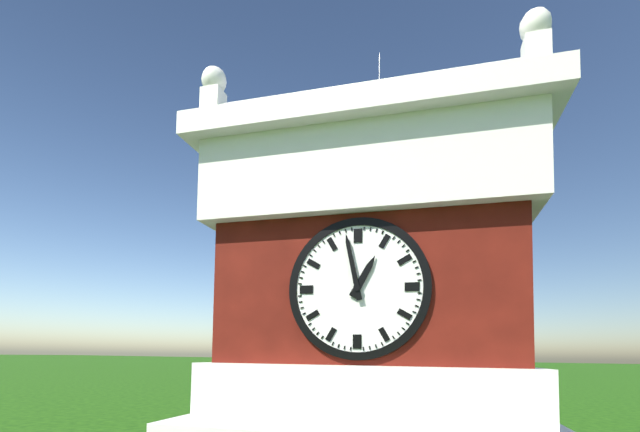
12:58
